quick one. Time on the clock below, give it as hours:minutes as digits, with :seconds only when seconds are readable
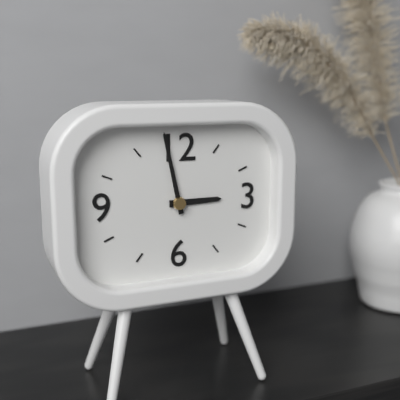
2:58
